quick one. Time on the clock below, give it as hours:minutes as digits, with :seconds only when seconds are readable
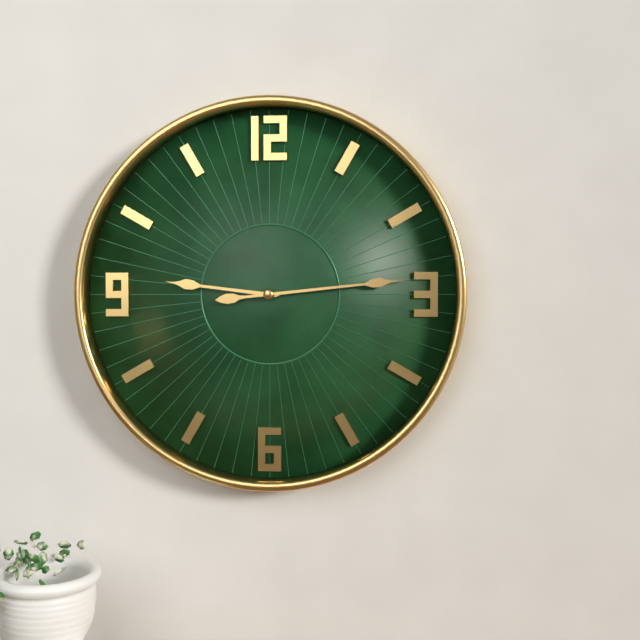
9:14
